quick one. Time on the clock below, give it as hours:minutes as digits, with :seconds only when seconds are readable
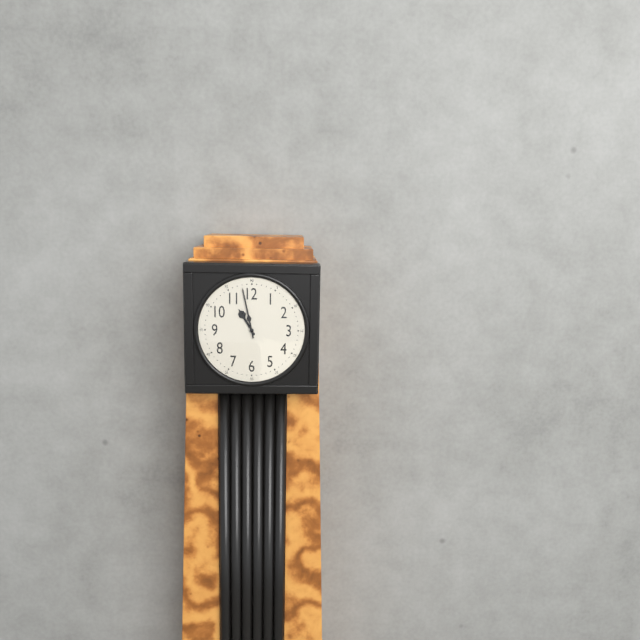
10:58
